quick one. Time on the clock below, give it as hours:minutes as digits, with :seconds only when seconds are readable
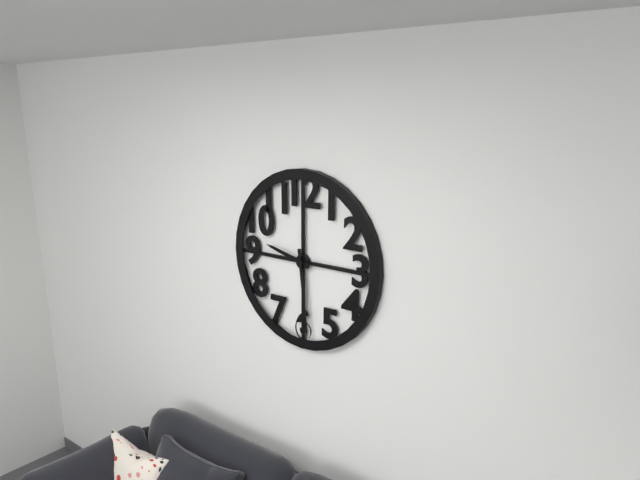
9:29
